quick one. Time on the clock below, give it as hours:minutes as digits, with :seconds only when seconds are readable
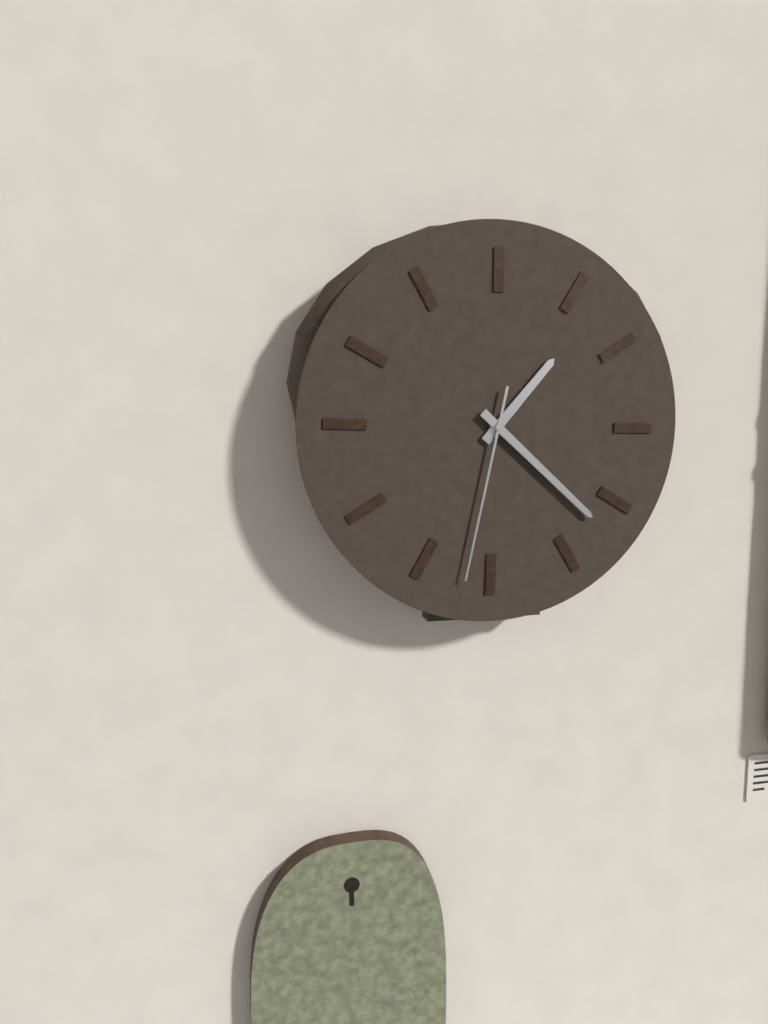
1:22:32
